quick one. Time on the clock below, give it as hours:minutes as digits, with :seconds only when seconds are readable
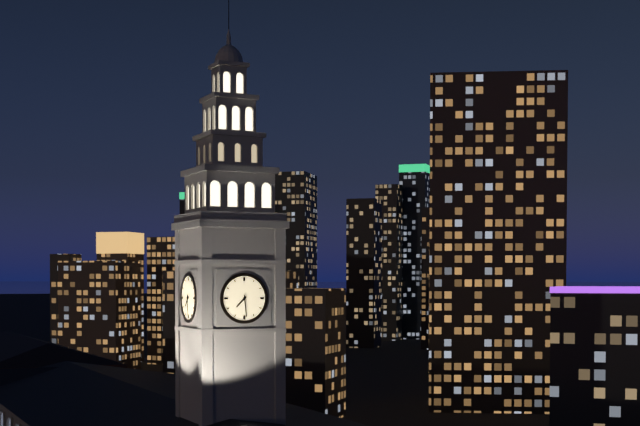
7:29
